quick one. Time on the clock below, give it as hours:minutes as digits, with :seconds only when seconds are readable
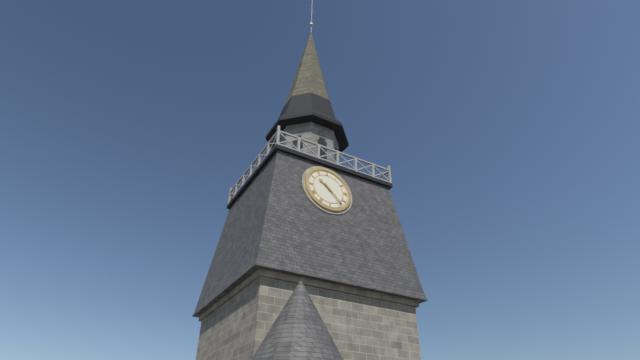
10:23
